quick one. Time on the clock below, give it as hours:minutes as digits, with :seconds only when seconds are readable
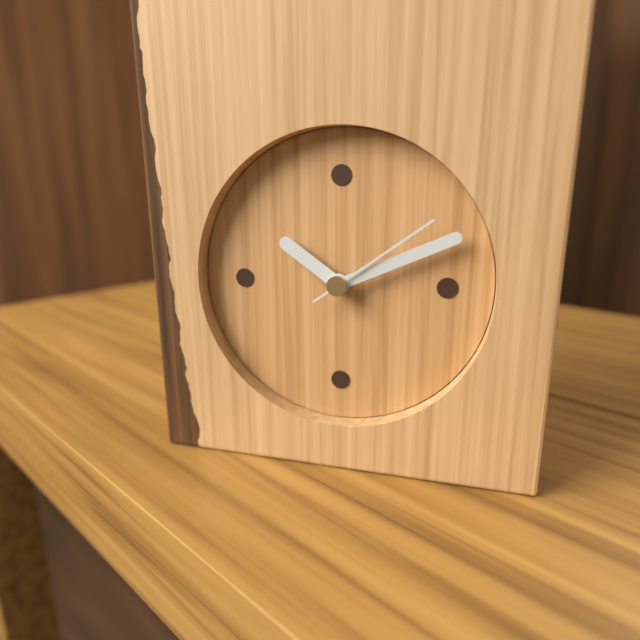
10:11:09
